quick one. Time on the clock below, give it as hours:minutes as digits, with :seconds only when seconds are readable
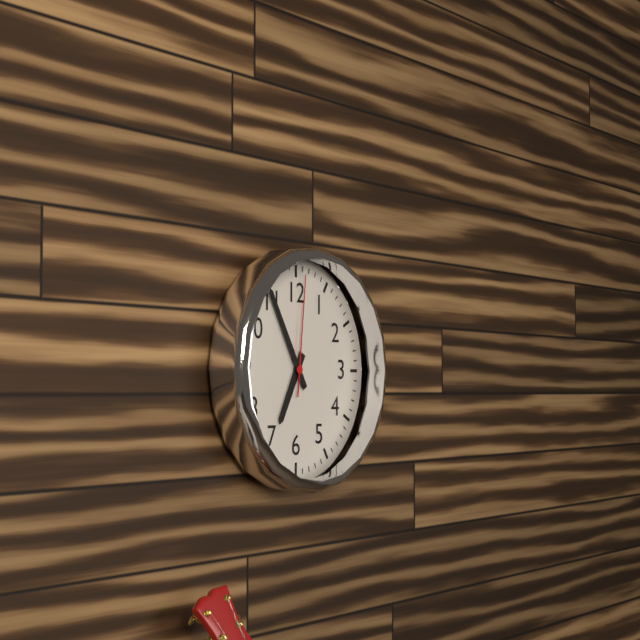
6:55:01
